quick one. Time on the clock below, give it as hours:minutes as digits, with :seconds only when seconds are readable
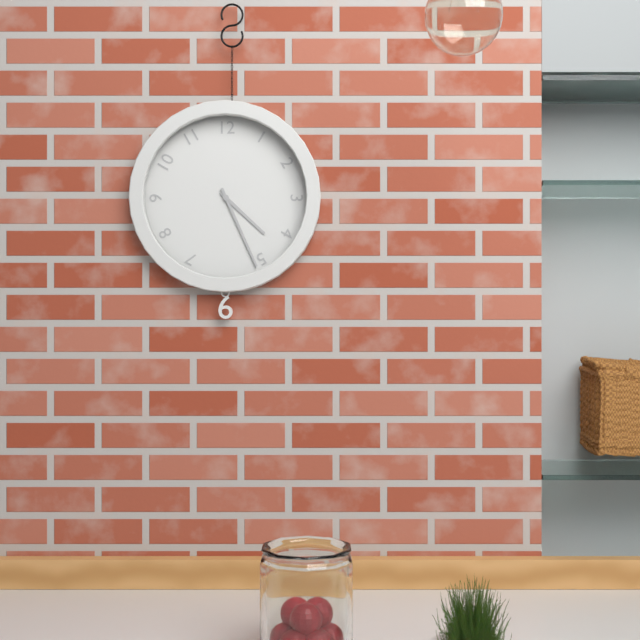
4:26
